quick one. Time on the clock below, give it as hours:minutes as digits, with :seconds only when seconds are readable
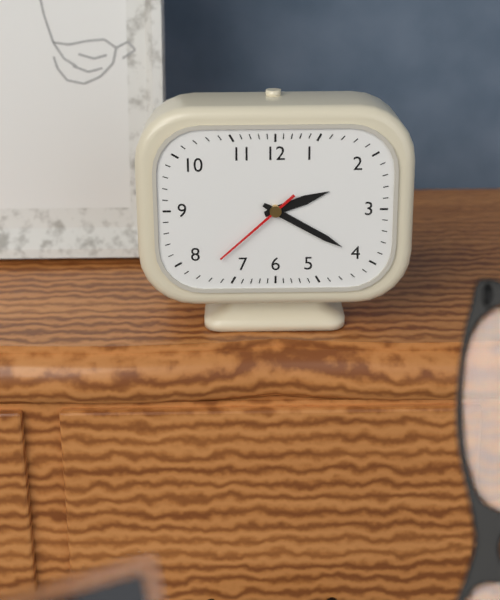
2:20:38
